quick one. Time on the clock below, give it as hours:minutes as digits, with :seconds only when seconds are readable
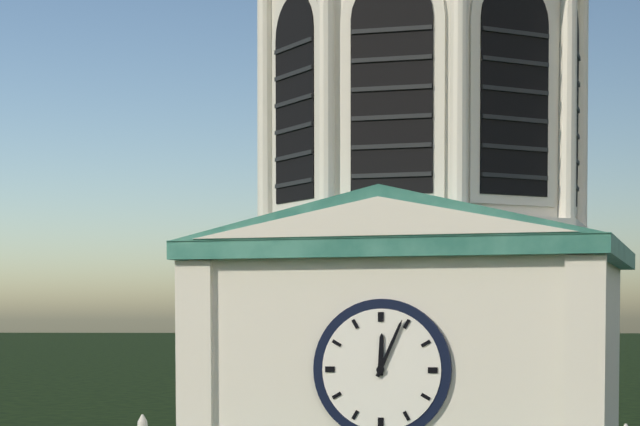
12:04
